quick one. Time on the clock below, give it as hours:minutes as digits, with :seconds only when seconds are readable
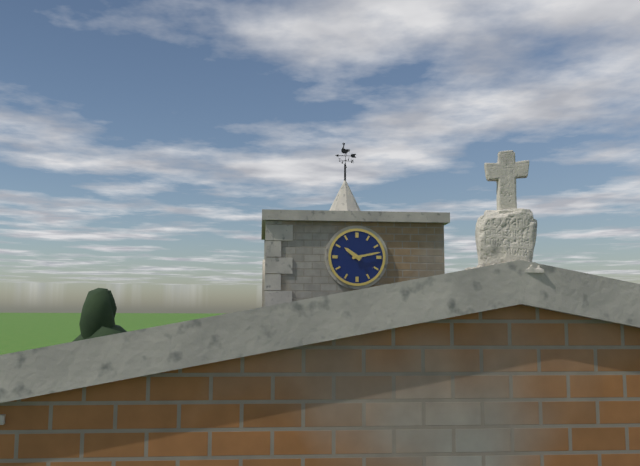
10:13
